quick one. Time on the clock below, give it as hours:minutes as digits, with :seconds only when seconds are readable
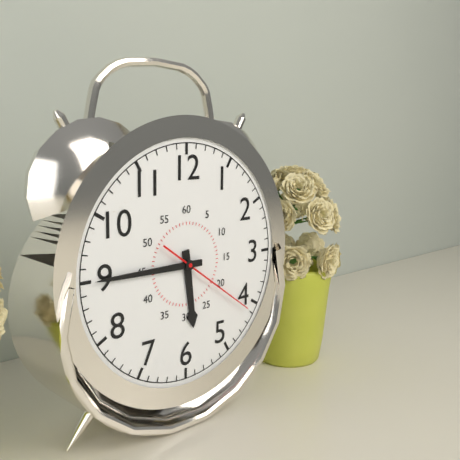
5:45:21
